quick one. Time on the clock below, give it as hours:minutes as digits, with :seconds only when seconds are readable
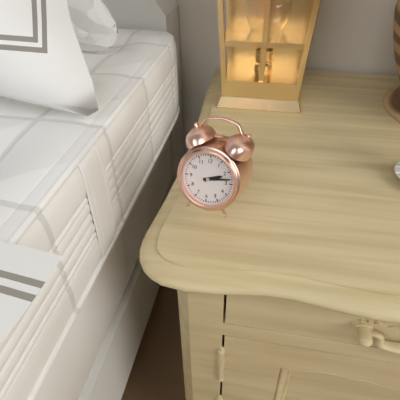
2:13
